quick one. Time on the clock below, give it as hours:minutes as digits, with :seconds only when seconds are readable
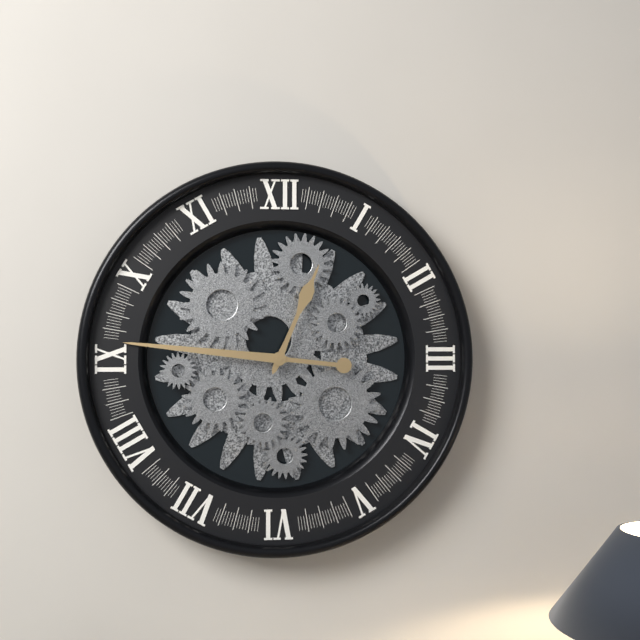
12:46
